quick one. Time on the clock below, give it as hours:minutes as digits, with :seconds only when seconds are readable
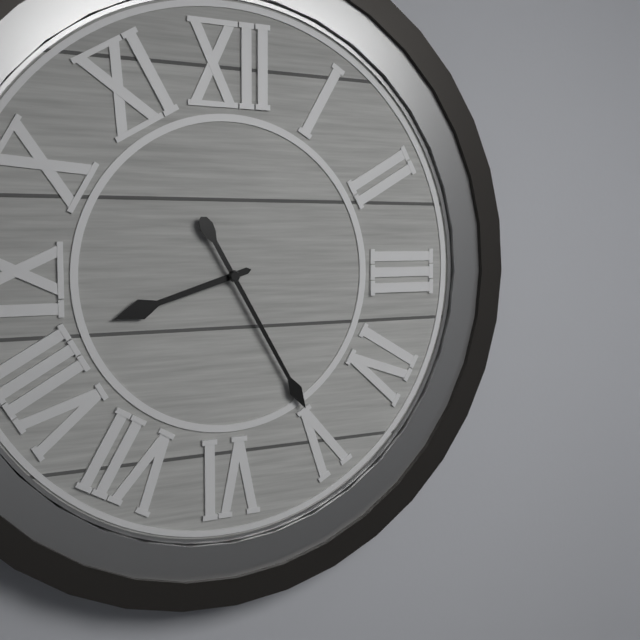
8:25
